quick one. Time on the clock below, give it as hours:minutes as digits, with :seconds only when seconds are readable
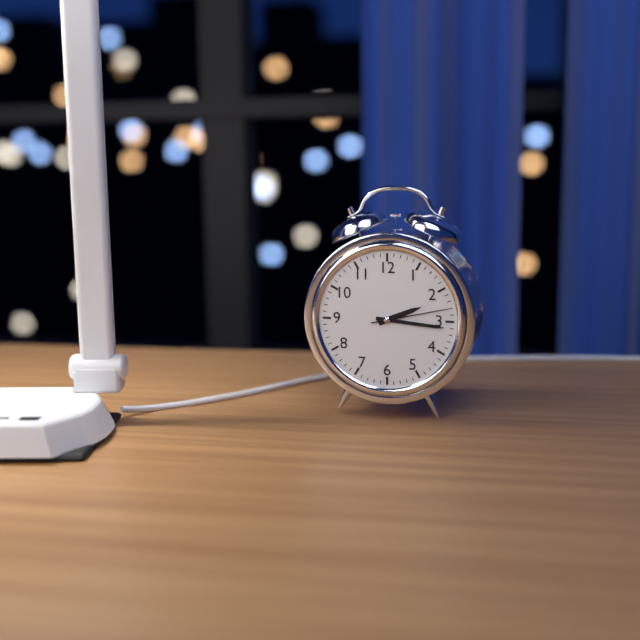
2:16:13
